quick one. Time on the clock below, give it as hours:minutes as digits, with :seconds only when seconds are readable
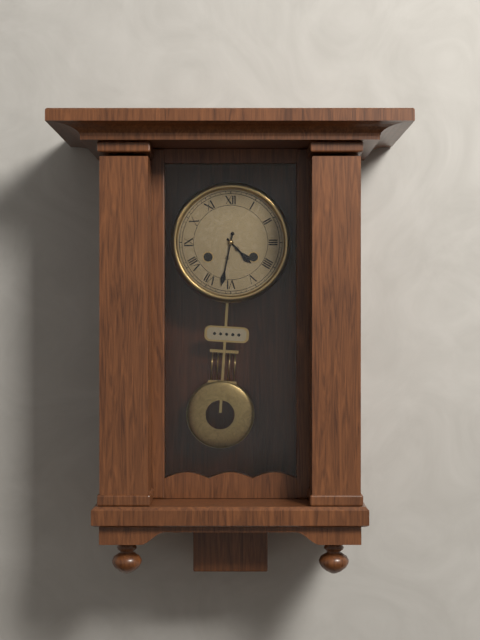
4:32
